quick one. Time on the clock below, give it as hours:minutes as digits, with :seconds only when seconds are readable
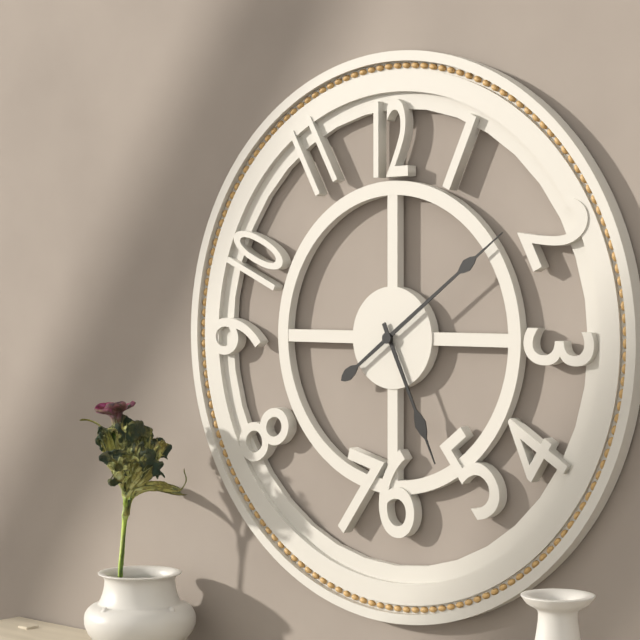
5:09
